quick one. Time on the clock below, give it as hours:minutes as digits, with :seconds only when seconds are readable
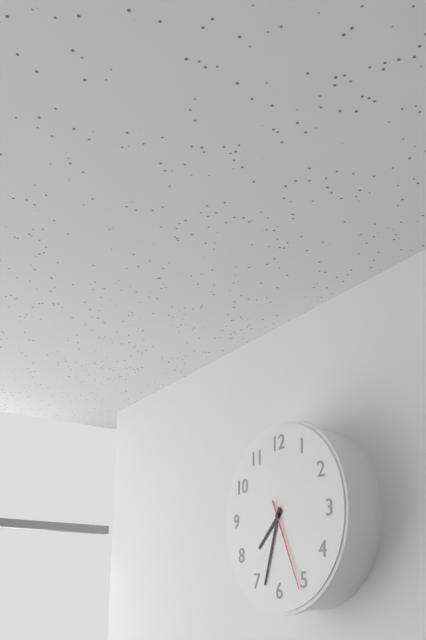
7:33:26
